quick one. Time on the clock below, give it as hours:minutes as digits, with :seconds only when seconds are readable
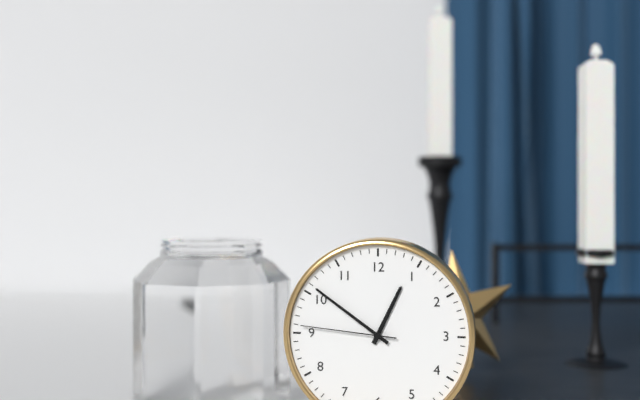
12:51:46
